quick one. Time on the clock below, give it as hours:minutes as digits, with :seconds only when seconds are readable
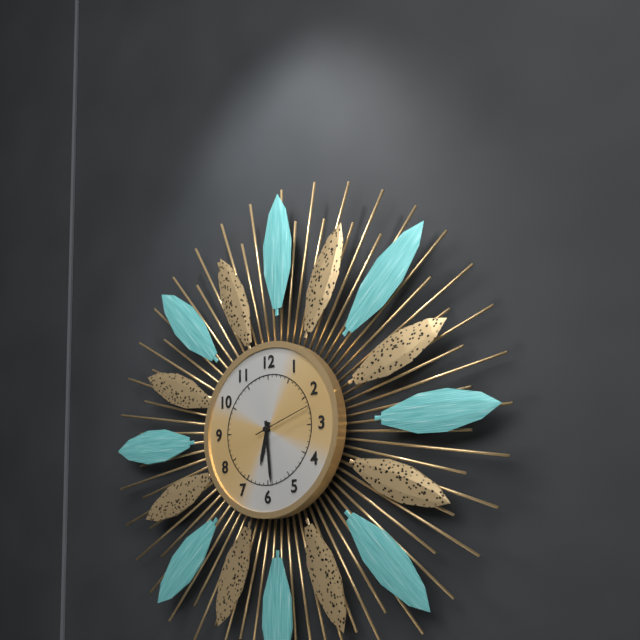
6:29
